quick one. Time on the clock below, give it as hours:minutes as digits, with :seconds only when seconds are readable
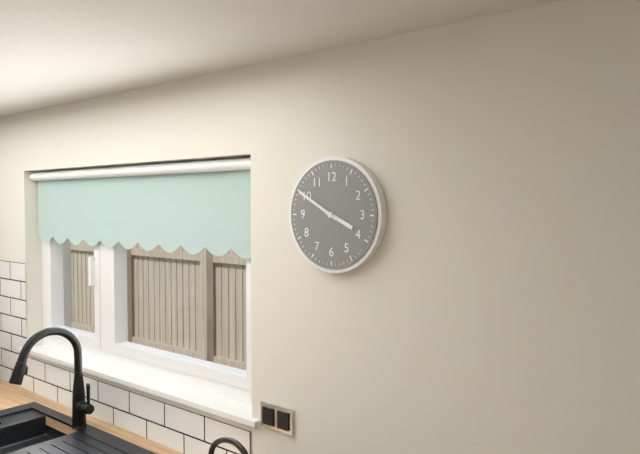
3:50
